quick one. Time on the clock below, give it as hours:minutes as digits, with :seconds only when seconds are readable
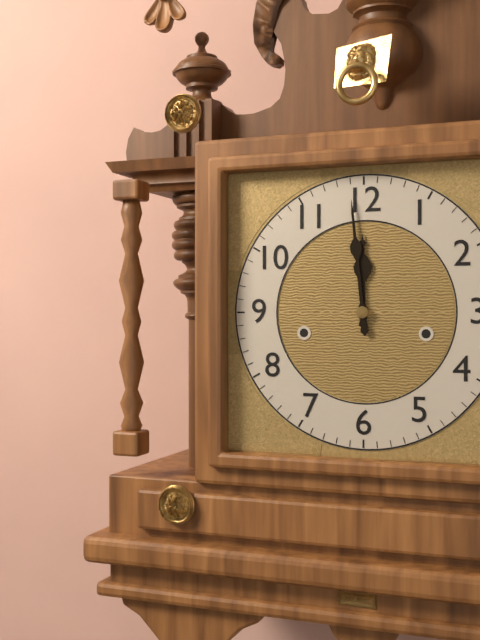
11:59
